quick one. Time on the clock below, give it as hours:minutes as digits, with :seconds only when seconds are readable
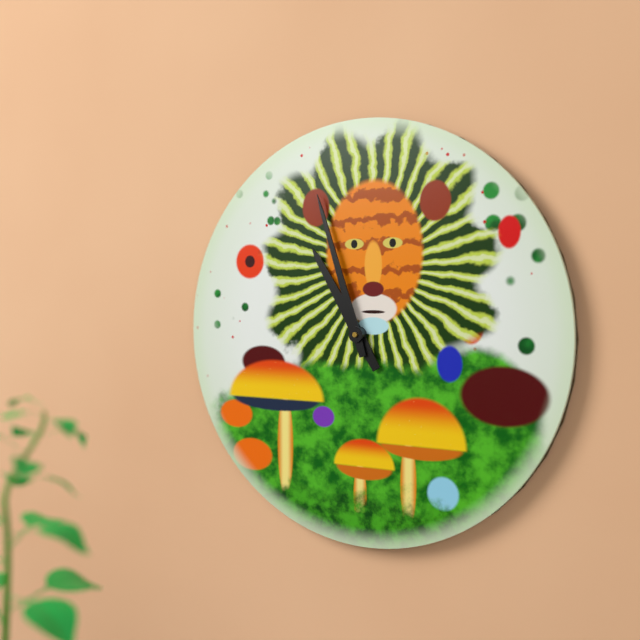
10:57
